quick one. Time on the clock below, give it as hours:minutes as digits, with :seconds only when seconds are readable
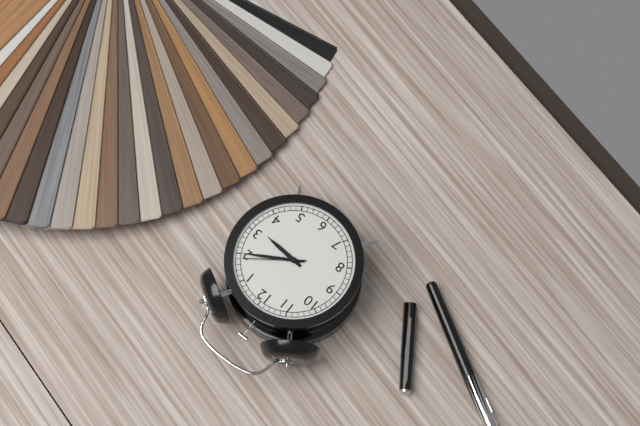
3:10:09
